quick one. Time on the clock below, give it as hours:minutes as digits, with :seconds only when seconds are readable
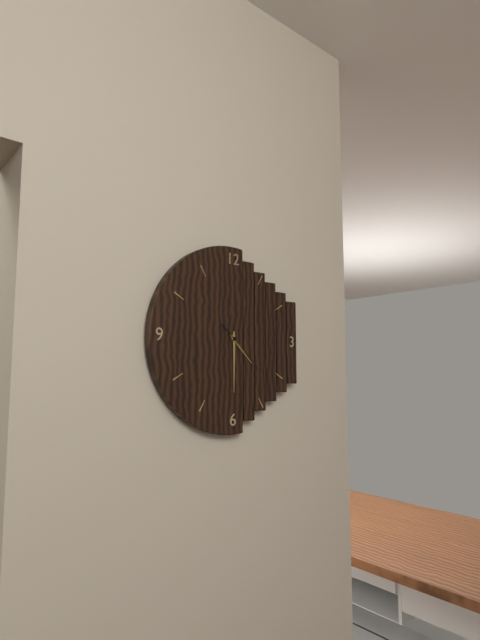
4:30:22
